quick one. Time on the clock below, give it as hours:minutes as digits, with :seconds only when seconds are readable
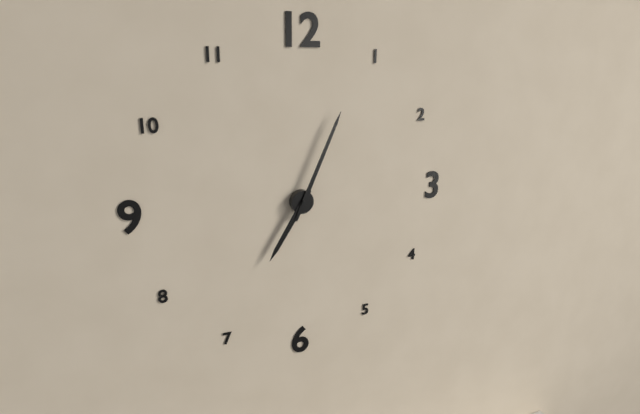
7:04
